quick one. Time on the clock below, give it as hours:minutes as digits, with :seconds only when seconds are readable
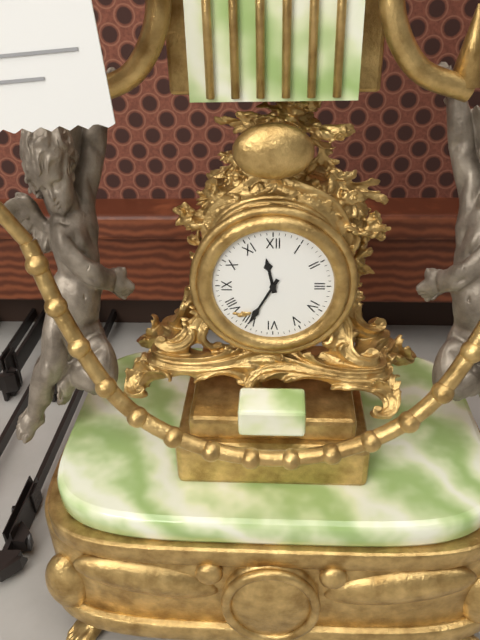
11:35
